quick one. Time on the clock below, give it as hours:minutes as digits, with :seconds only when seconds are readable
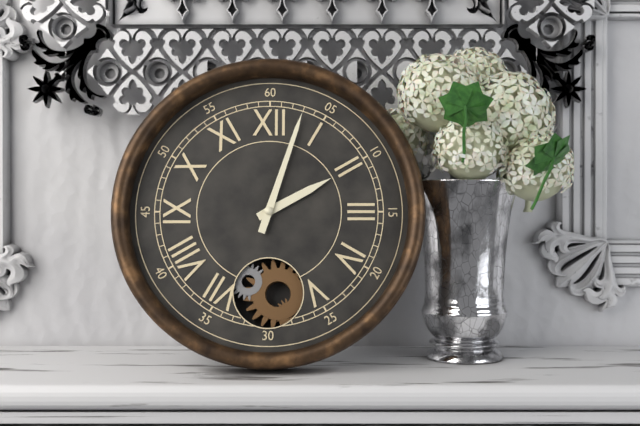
2:03
